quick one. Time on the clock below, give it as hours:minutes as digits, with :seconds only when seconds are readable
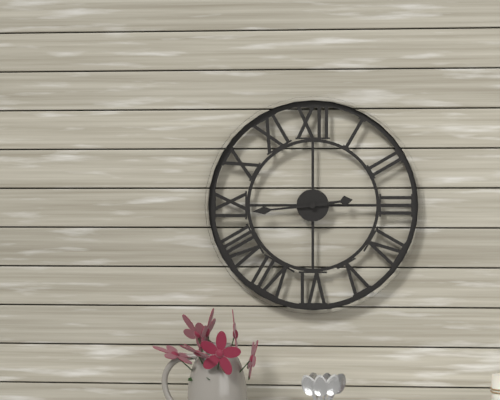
2:44
